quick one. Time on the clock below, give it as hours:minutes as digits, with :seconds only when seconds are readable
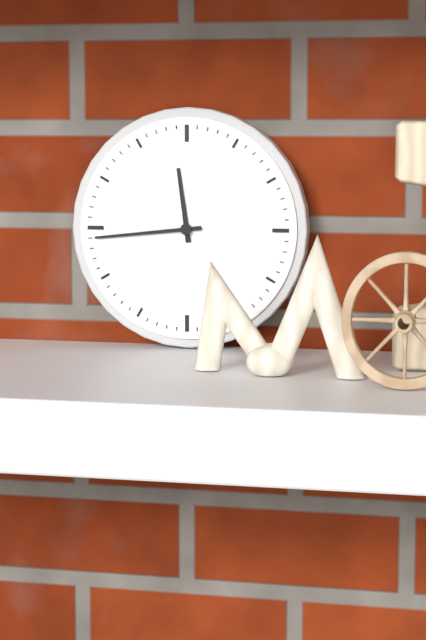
11:44
